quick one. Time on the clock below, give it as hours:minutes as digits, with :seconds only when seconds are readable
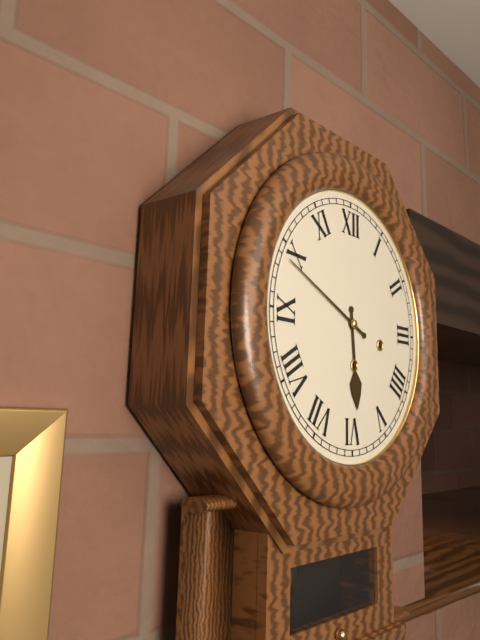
5:49
